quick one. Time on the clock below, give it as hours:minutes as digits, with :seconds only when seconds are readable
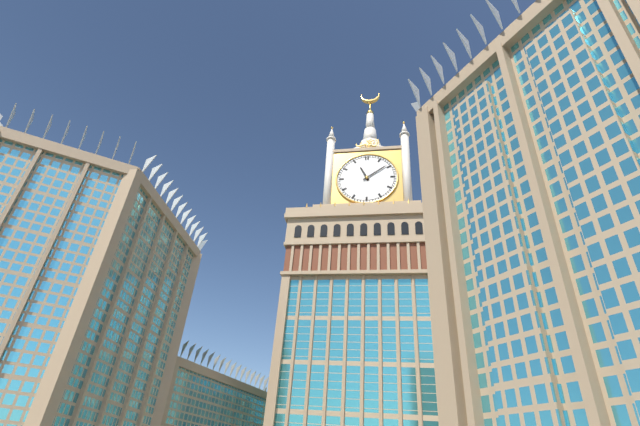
11:09
